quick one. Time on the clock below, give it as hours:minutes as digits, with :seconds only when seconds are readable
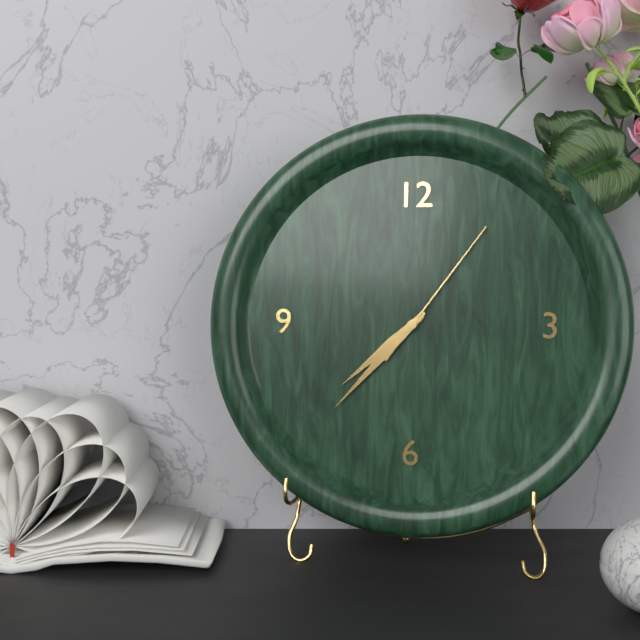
7:37:06
